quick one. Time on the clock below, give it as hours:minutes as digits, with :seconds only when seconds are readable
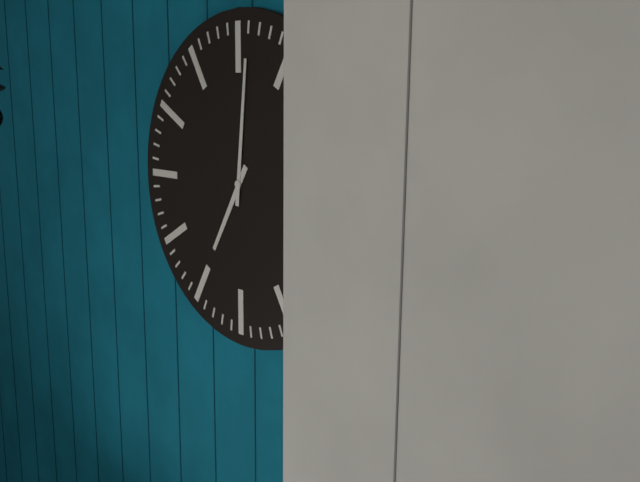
7:01
